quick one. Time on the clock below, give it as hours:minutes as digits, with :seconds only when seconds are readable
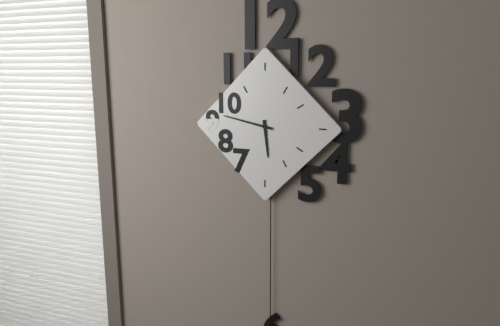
5:47
